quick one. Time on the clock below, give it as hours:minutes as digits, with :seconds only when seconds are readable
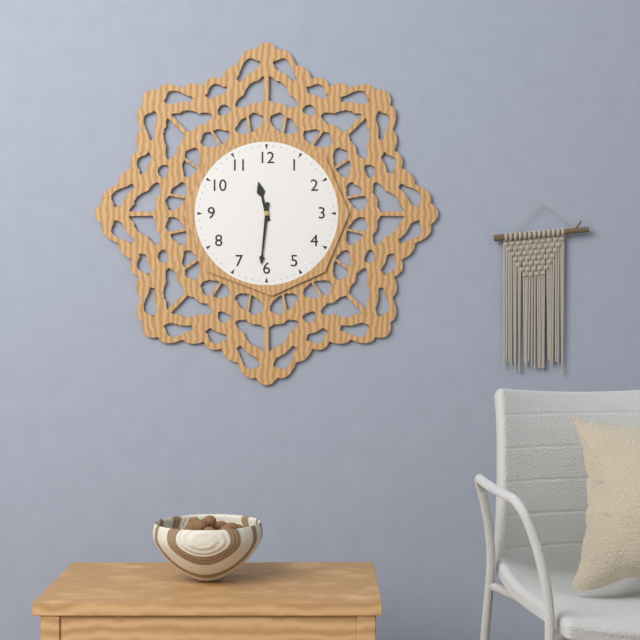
11:31
